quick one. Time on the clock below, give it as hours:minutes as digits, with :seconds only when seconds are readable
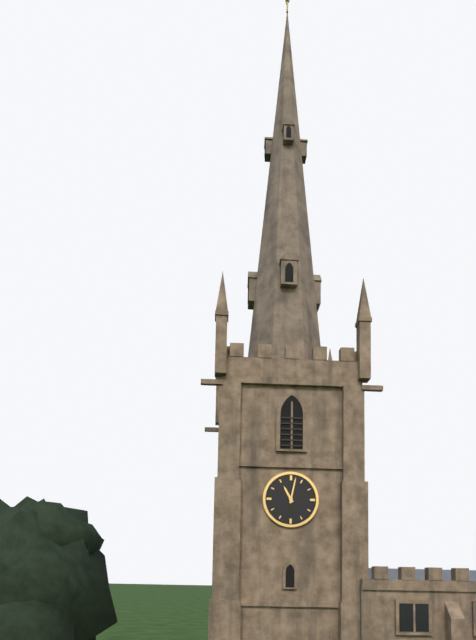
11:02
